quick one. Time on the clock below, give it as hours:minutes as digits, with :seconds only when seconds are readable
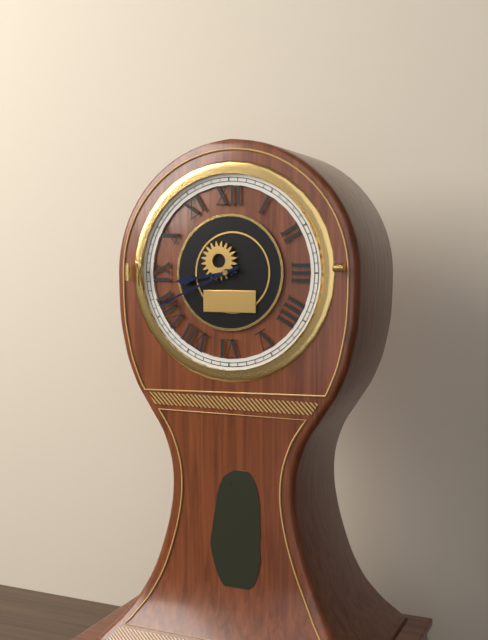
8:41
